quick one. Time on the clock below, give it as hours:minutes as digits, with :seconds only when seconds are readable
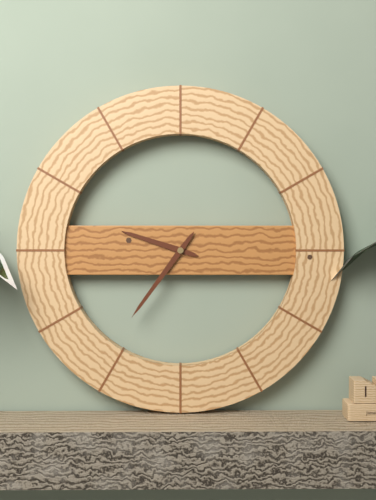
9:36
